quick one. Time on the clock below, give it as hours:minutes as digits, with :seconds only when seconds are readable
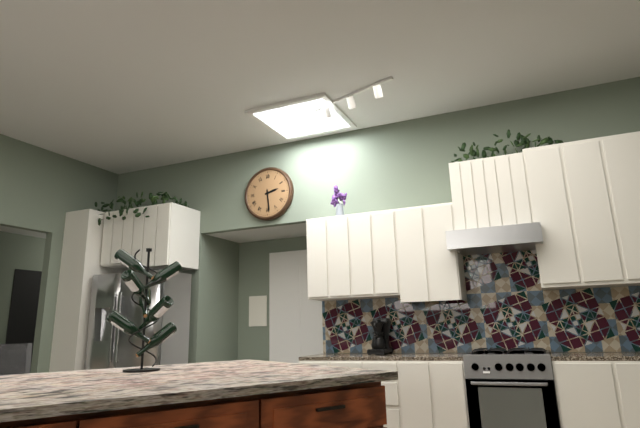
2:29
